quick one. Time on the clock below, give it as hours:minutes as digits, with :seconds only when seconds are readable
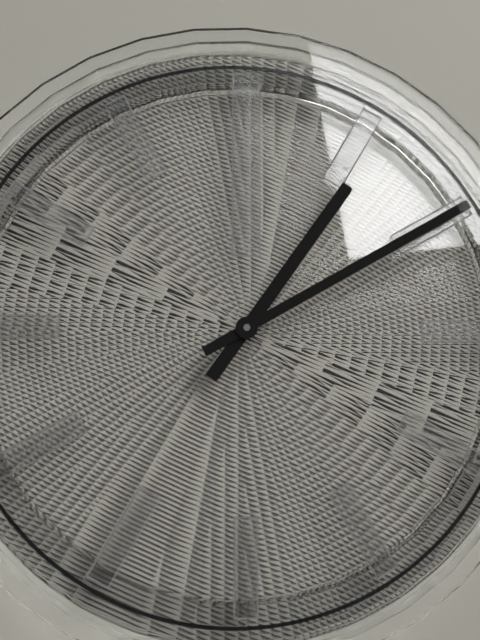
1:10
